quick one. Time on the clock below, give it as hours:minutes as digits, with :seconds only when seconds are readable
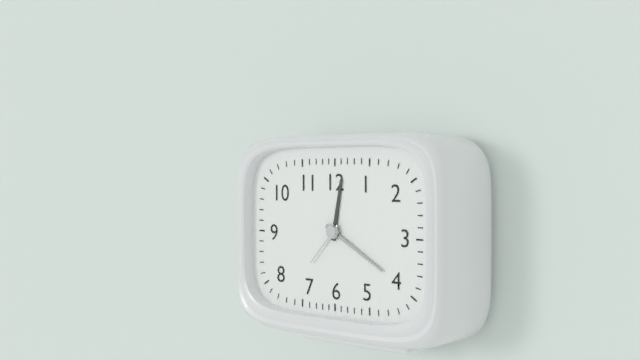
12:20
